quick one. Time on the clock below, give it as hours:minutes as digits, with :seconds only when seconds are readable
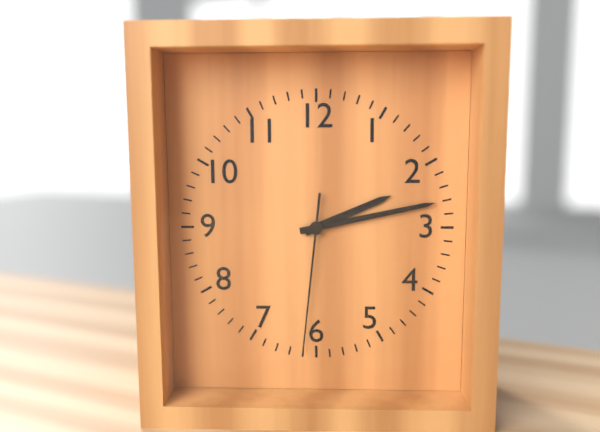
2:13:31
